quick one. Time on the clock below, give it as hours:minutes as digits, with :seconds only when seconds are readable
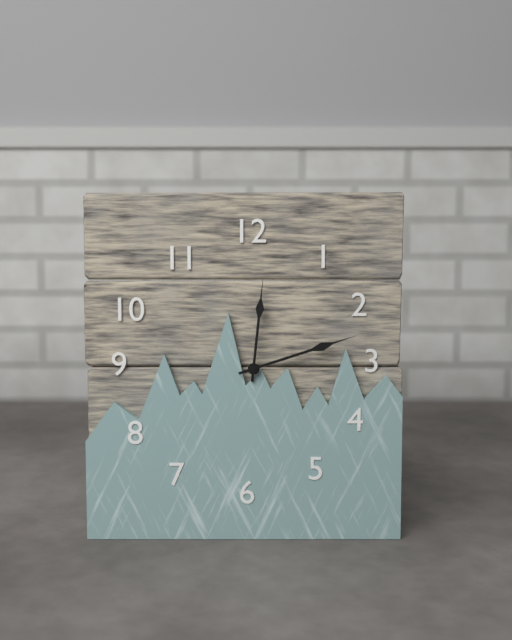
12:12
